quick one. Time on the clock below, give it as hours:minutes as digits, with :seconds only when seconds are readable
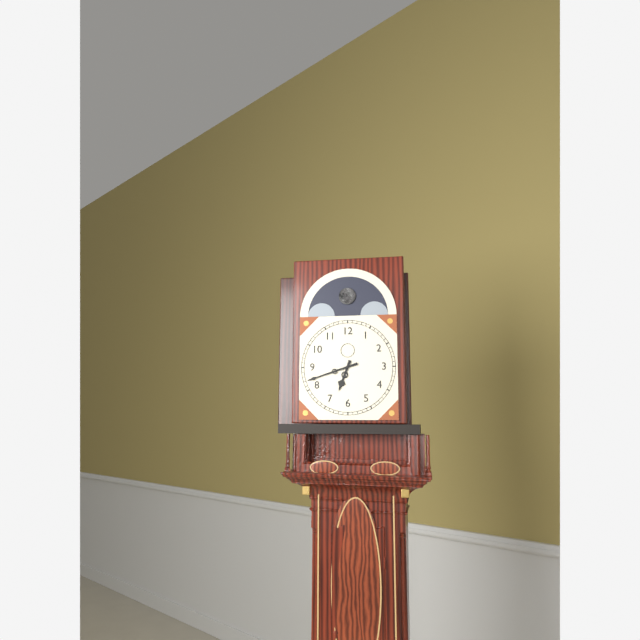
6:42
